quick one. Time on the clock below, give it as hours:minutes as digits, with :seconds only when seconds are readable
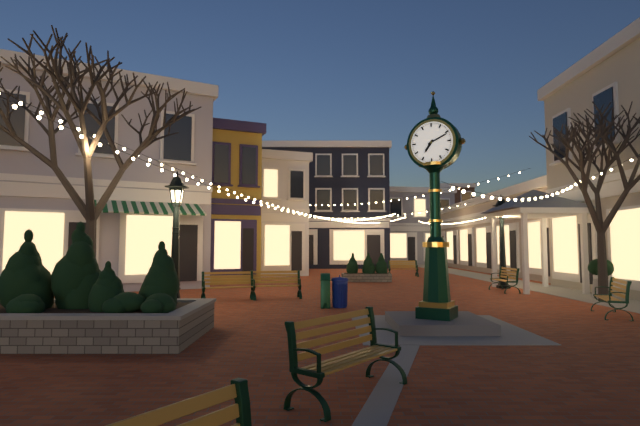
7:11
